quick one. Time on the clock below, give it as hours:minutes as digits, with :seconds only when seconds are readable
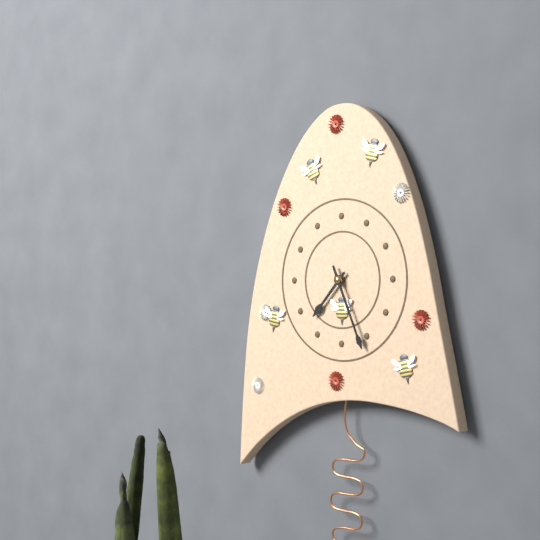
7:26
